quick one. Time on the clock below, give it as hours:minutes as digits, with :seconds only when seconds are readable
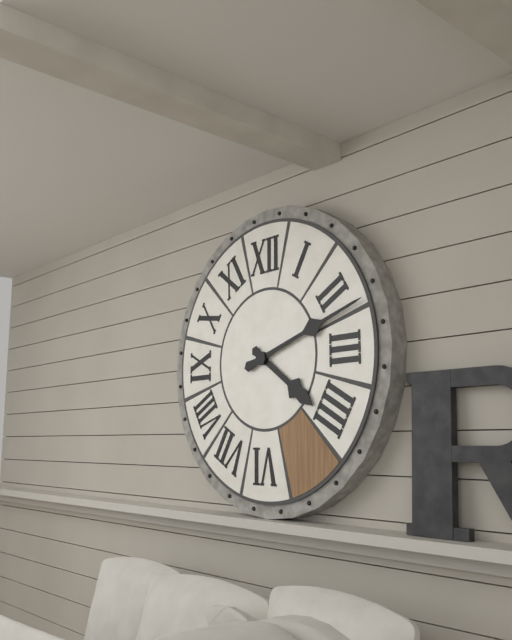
4:12
